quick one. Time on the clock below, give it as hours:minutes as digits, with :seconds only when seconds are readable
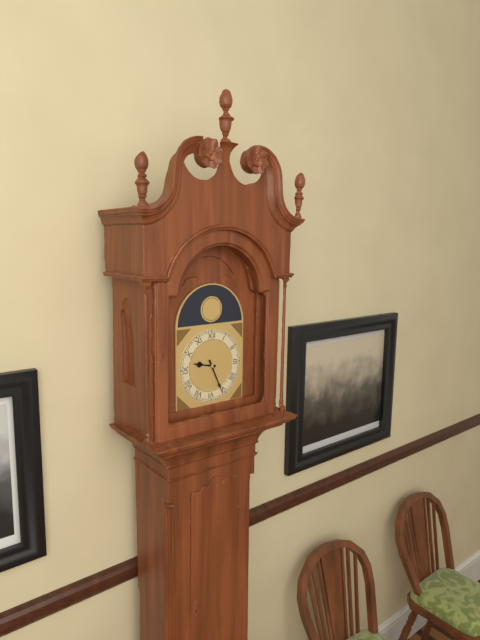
9:26
